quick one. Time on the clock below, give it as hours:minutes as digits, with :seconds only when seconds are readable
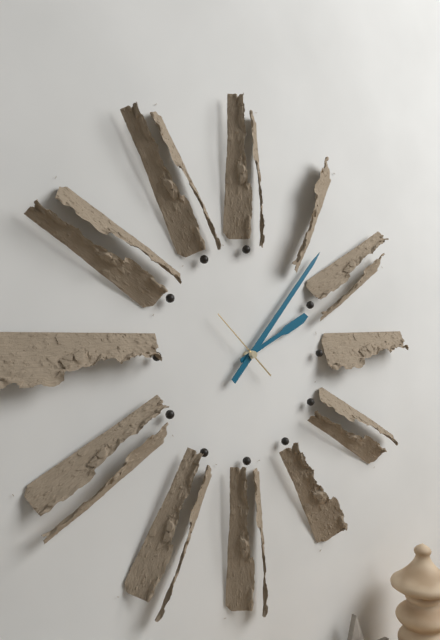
2:07:52
